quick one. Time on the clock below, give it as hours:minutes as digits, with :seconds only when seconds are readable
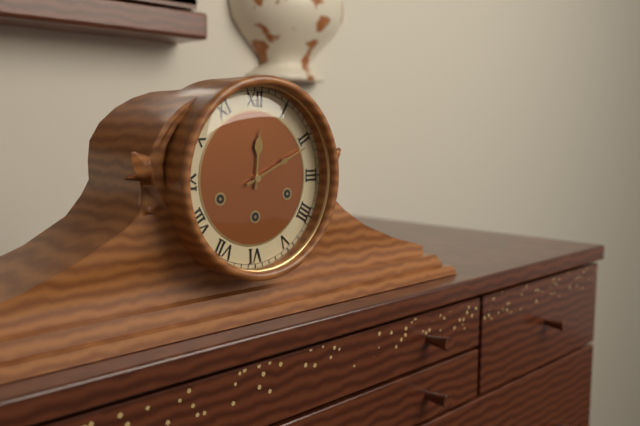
12:11
